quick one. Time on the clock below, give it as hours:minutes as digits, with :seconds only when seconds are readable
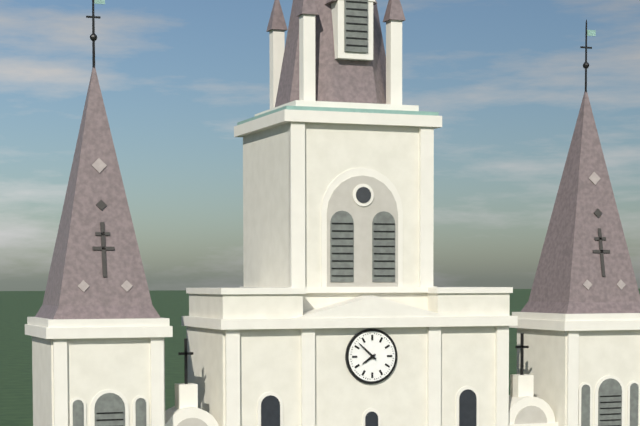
7:52
